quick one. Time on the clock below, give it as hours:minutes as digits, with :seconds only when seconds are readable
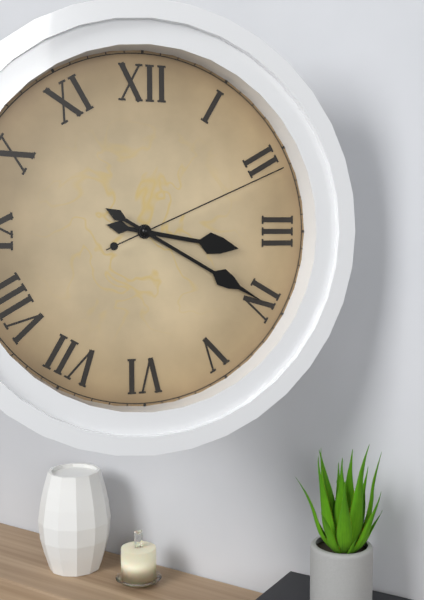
3:20:11
